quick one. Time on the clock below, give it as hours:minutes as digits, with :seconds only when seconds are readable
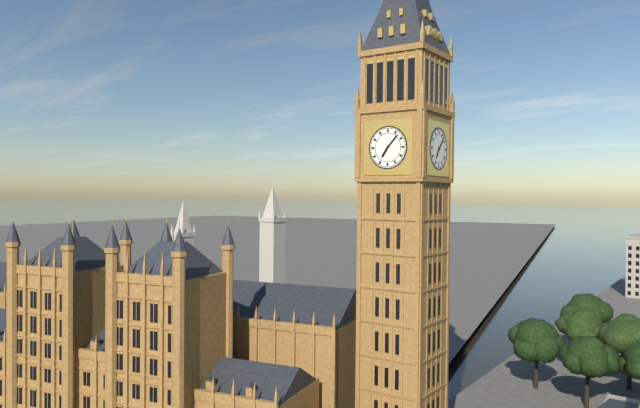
7:07
